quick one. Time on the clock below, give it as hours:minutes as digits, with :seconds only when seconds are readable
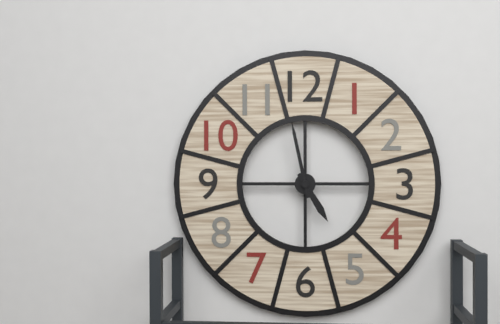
4:58
